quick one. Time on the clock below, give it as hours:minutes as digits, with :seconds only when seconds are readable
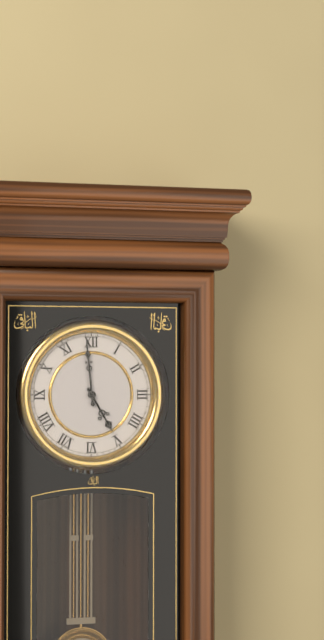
4:59
